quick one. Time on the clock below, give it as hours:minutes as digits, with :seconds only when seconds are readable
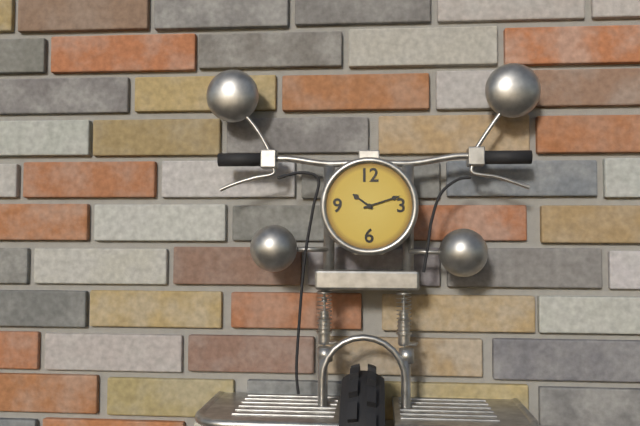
10:12
